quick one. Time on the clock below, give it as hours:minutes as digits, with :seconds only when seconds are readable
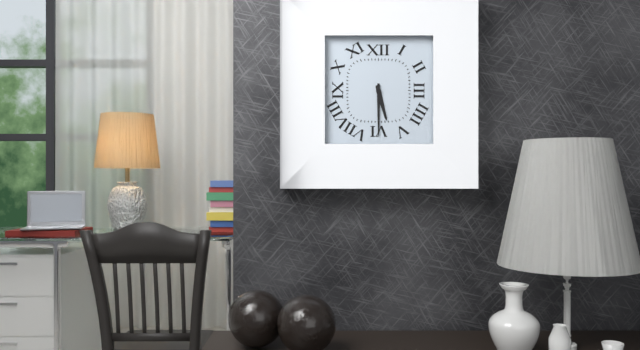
5:30
